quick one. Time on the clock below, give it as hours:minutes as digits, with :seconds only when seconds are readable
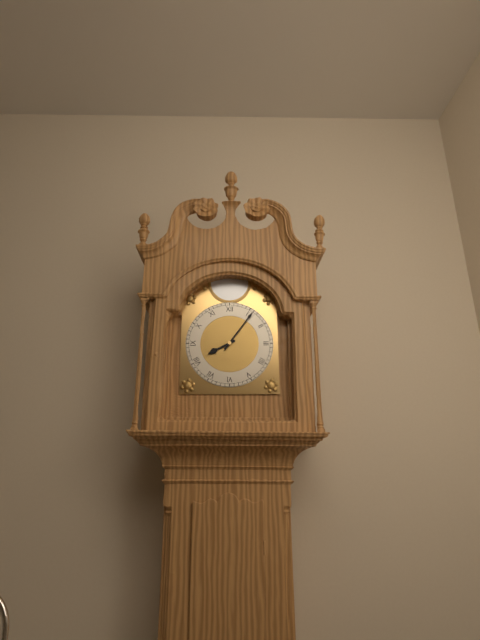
8:06
